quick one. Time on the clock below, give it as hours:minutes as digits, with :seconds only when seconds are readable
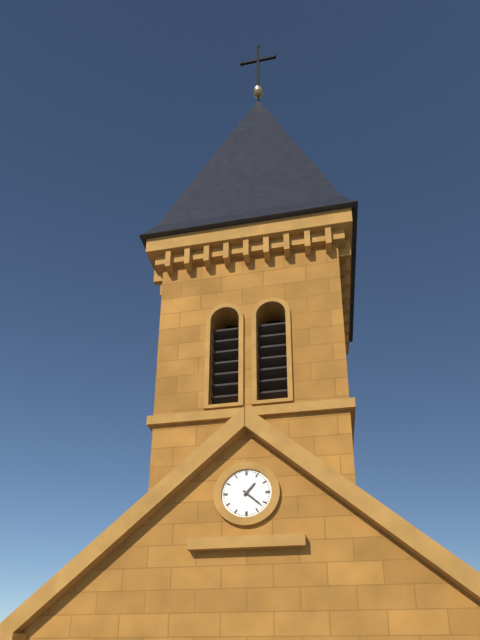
1:22
